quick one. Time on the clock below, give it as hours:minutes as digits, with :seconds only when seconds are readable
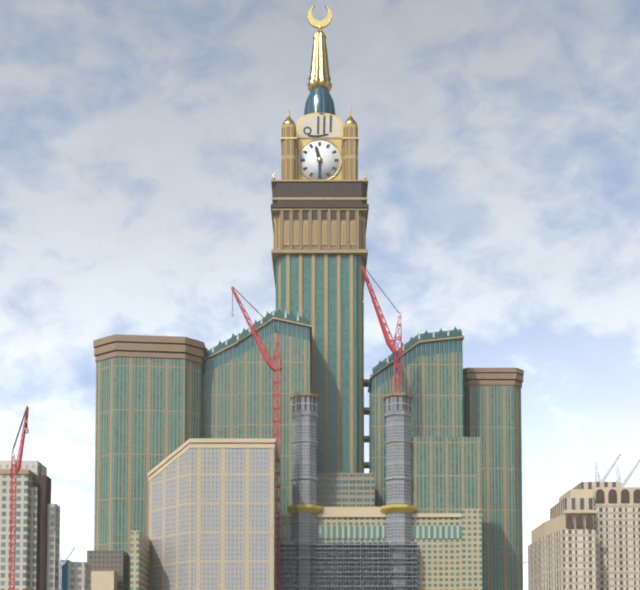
11:30
